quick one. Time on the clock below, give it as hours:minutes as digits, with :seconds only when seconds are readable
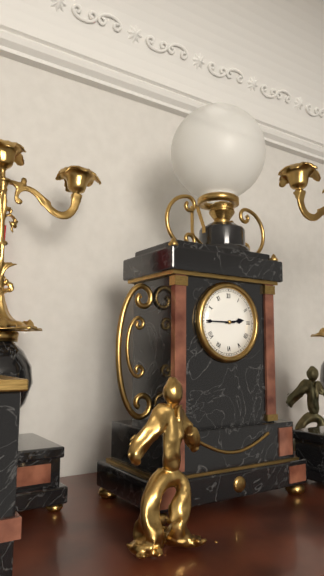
2:45
